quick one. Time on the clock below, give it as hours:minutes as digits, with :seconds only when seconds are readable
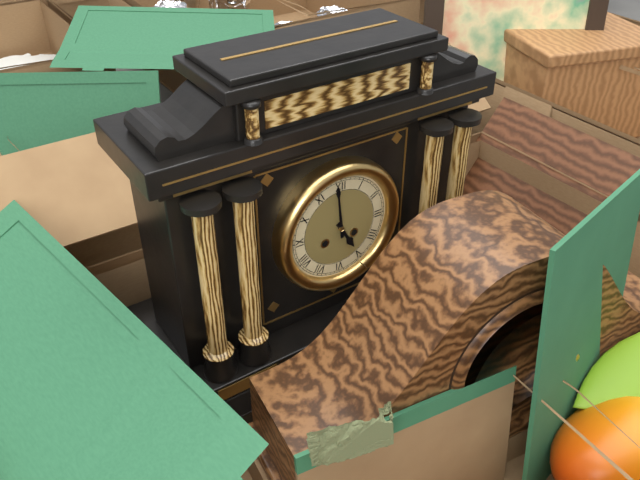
4:59
